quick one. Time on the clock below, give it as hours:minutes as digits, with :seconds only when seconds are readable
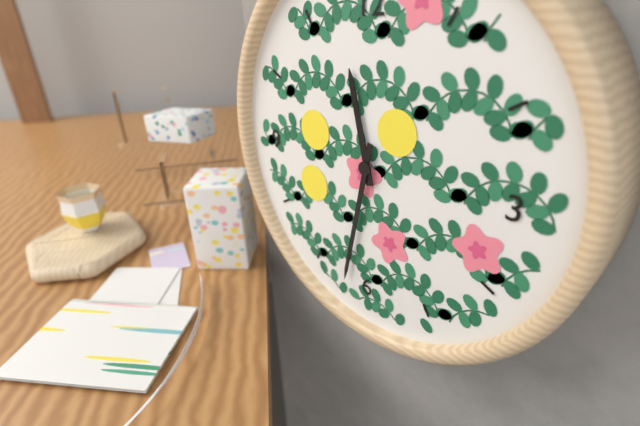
11:32
